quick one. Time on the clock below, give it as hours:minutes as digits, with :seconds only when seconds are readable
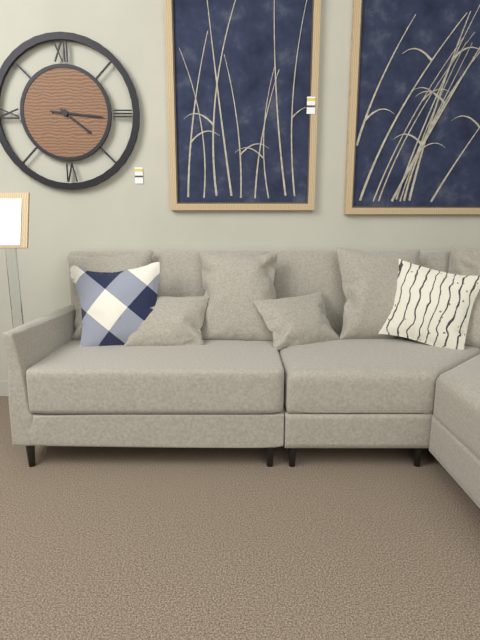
4:16
